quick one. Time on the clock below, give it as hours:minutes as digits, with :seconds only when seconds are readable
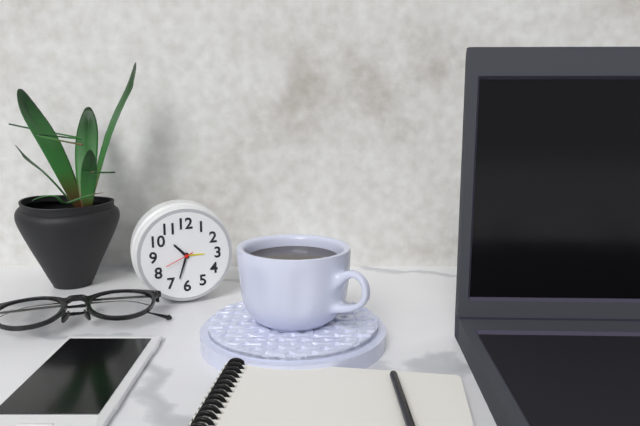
10:33
